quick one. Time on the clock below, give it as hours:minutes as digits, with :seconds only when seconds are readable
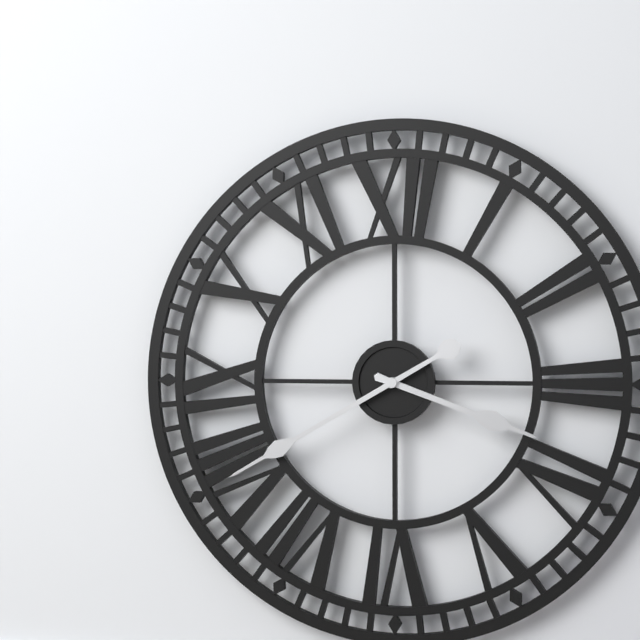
3:40
